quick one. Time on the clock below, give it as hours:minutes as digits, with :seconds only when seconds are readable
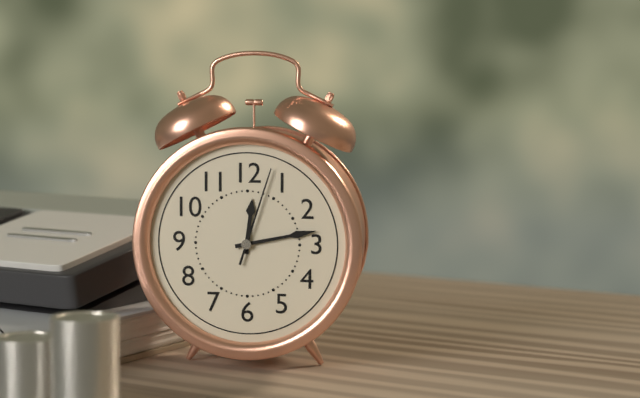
12:13:03
